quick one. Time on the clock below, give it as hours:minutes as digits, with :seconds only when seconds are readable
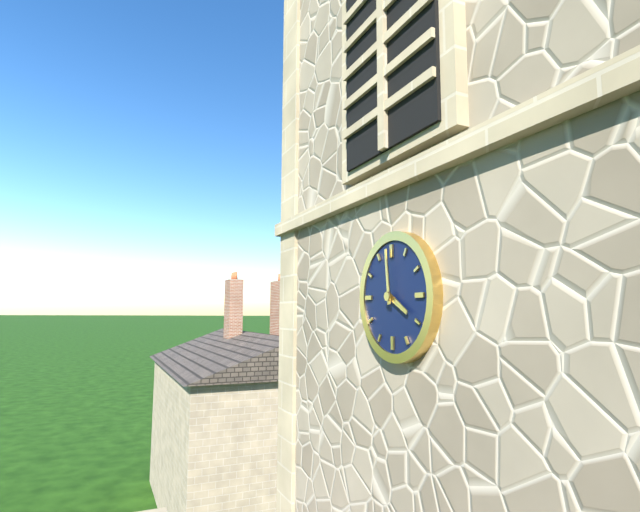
3:59
